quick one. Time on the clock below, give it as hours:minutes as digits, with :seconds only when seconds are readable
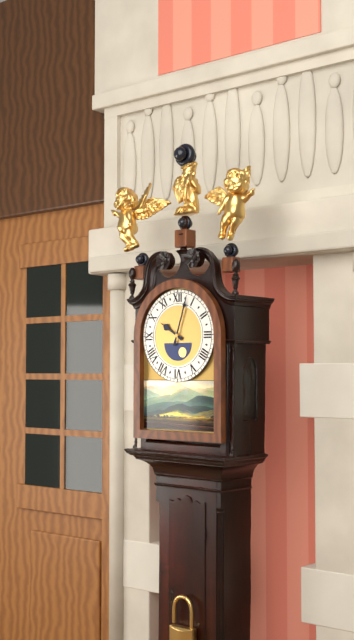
10:03
